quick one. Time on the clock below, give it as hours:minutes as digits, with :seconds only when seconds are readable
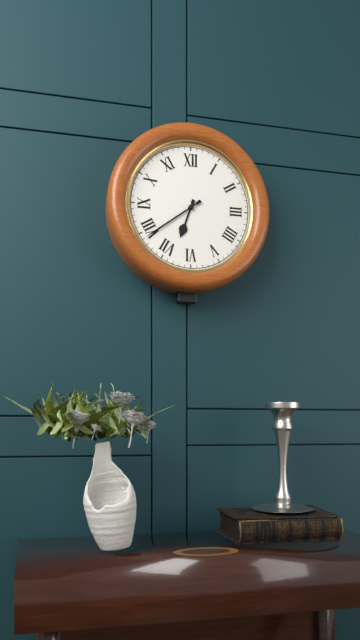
6:39
